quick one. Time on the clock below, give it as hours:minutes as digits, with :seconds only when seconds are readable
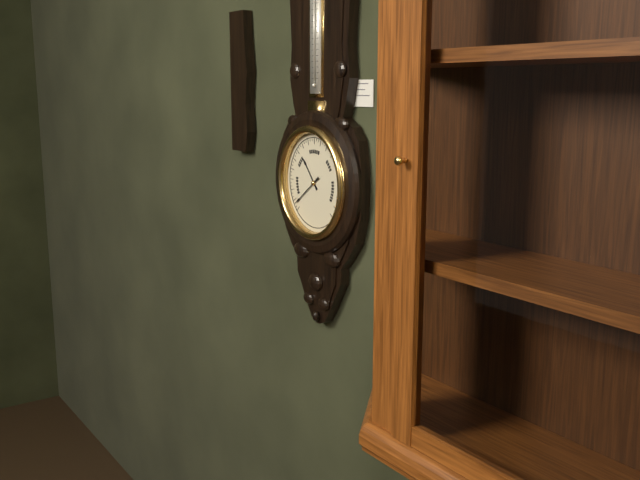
10:39
